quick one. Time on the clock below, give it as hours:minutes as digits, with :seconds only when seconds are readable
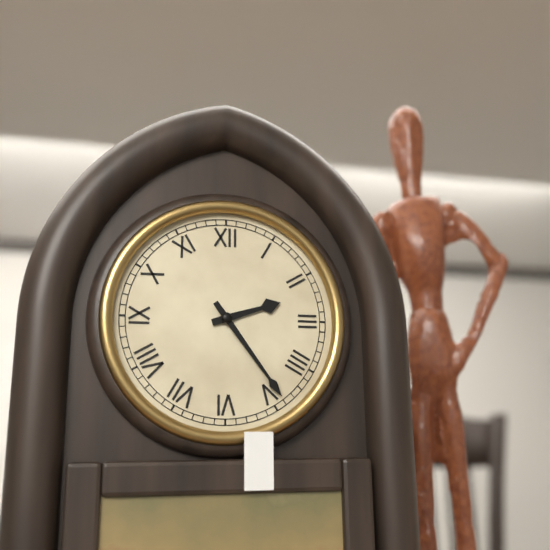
2:24
